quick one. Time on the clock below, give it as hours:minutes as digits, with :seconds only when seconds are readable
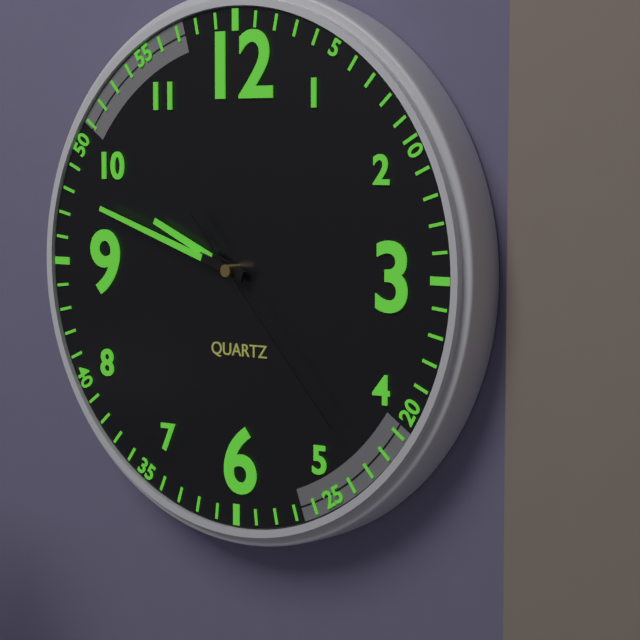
9:48:23
